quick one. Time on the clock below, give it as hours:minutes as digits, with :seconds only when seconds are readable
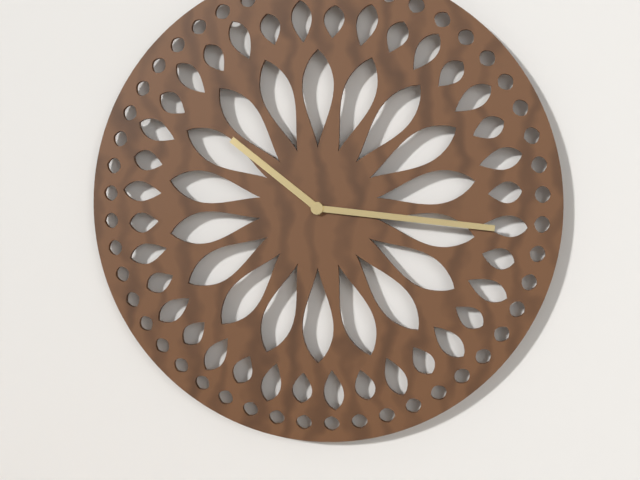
10:16
